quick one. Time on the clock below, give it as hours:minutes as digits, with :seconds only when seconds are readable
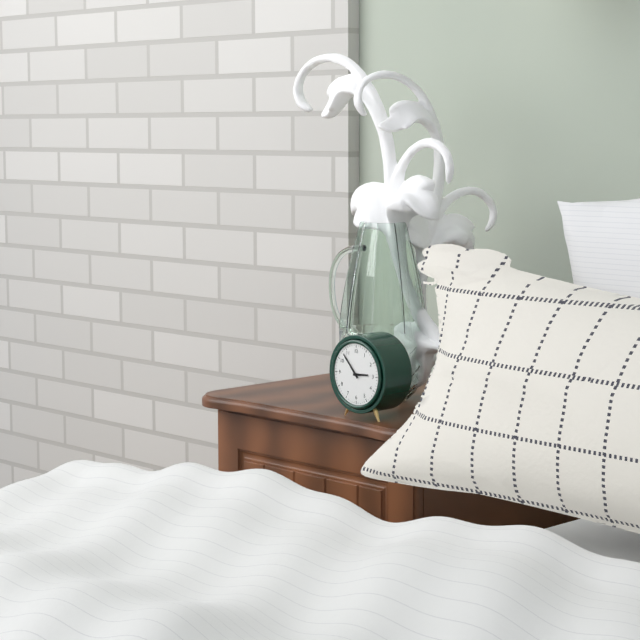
2:53
